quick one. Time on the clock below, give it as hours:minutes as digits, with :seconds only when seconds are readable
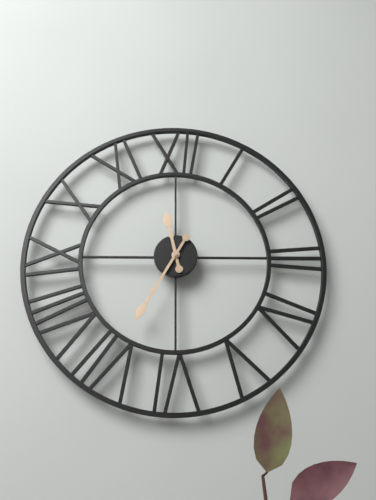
11:35
